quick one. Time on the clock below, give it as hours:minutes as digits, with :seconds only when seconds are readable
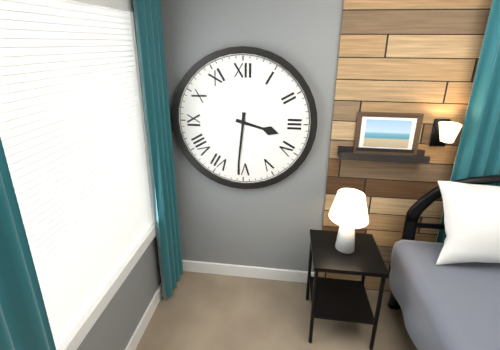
3:31
